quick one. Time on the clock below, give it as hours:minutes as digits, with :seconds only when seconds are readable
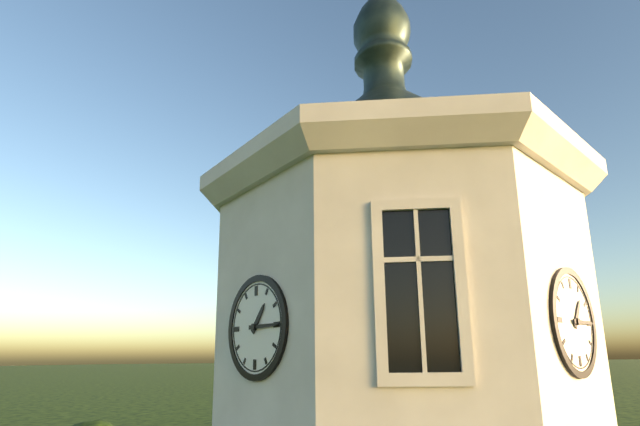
1:15
